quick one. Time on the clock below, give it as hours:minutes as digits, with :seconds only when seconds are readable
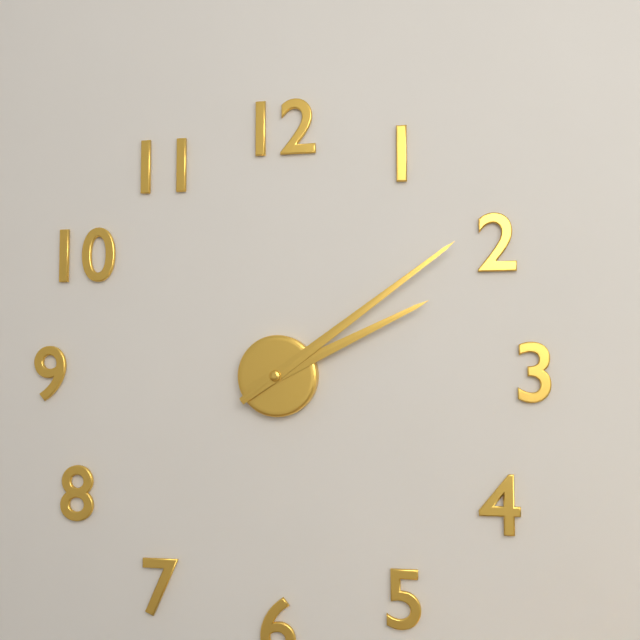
2:09
